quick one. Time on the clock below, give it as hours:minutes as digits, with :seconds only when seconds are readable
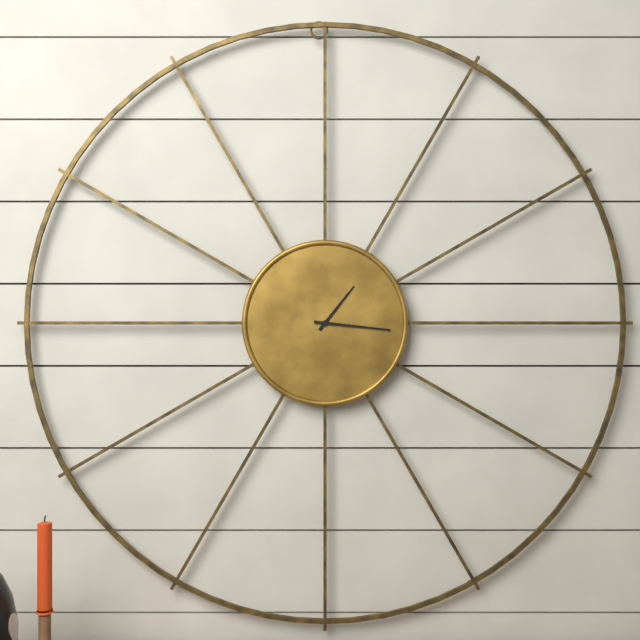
1:16
